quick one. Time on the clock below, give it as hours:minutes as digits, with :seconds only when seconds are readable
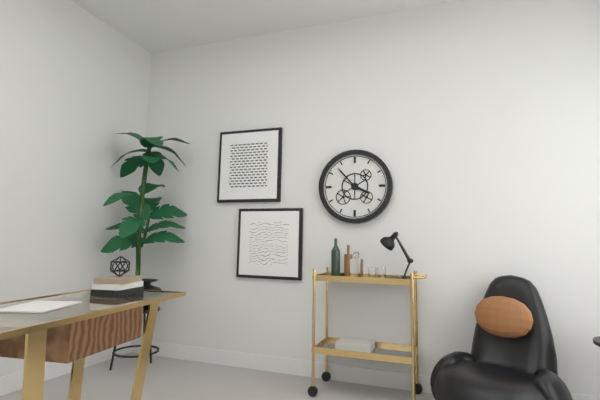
3:53
